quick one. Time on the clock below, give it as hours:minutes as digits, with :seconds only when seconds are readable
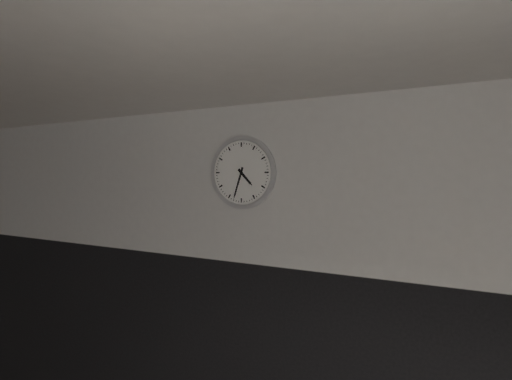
4:33
